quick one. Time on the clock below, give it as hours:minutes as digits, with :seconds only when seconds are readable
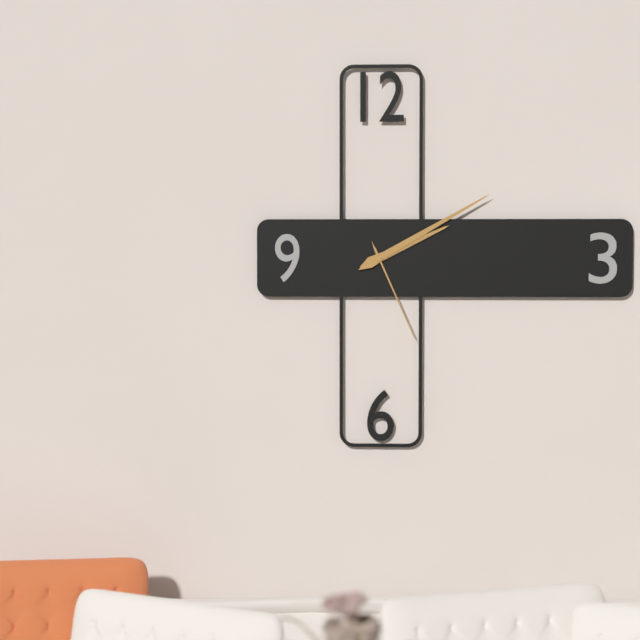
2:10:26
